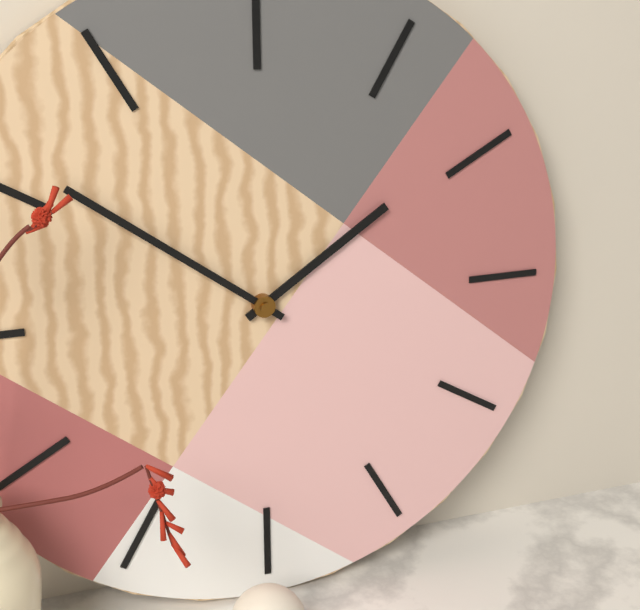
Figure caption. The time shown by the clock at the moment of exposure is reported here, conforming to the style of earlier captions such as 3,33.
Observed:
1,51
